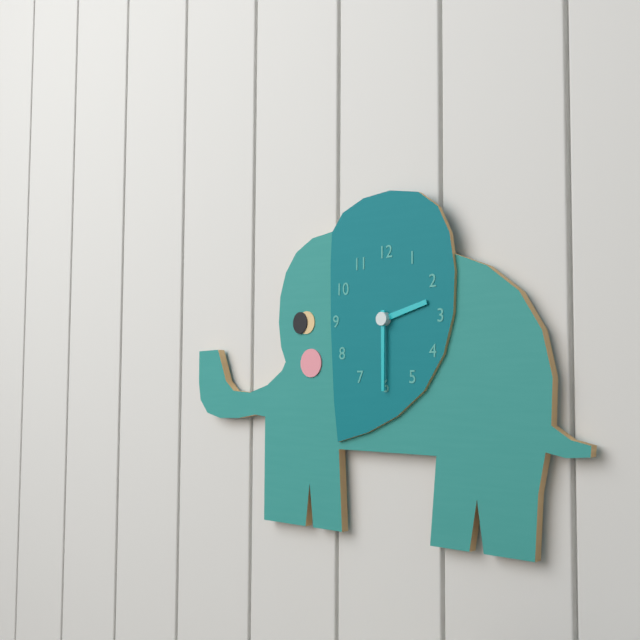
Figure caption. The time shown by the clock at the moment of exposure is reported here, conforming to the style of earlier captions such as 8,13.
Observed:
2,30
